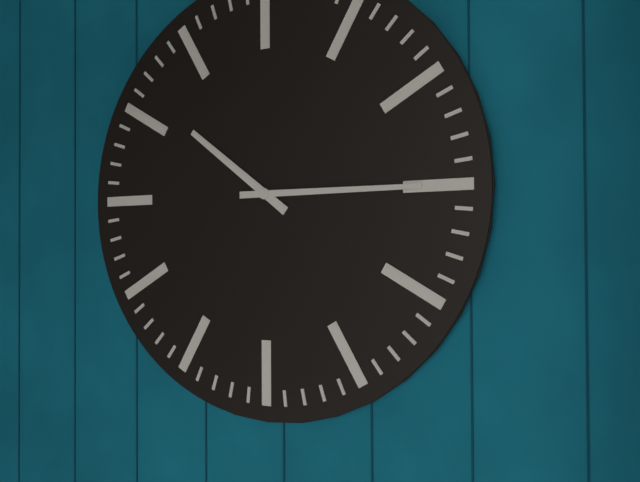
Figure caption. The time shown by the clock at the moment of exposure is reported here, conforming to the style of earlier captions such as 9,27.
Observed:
10,15
